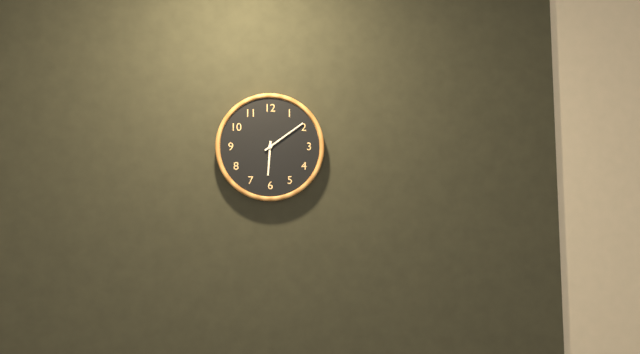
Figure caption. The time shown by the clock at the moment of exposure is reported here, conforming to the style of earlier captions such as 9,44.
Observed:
6,09
